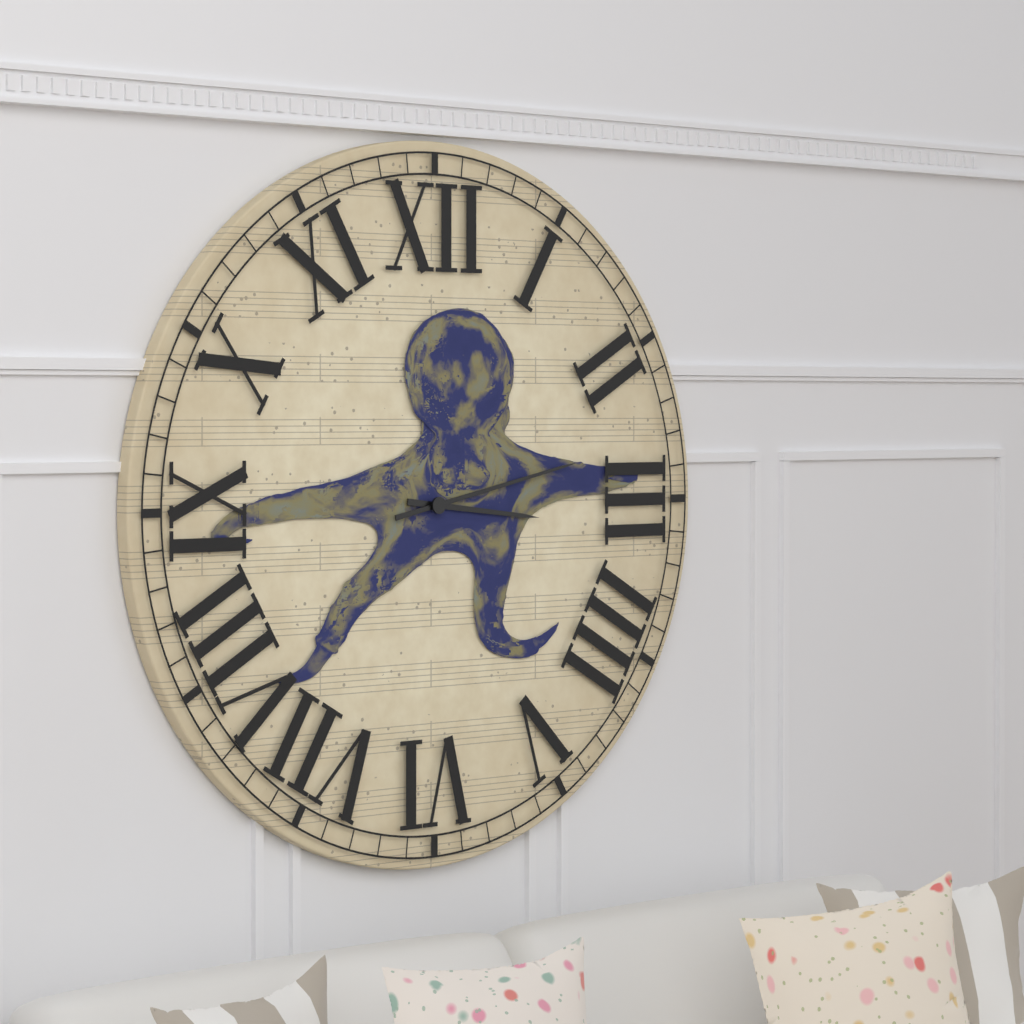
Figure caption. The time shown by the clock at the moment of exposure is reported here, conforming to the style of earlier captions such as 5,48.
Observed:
3,13
